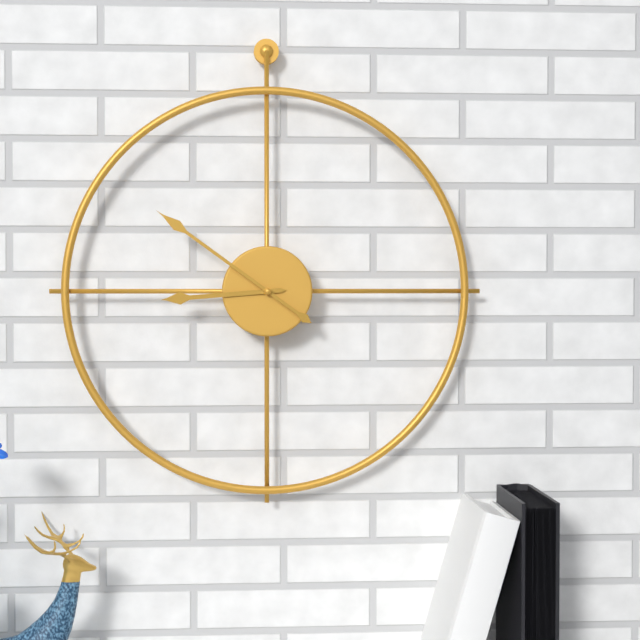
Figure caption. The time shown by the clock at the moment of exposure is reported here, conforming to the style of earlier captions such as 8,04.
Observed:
8,51
